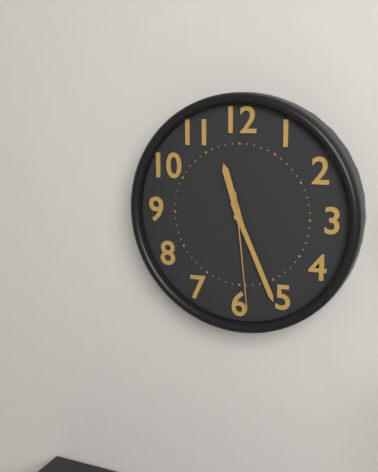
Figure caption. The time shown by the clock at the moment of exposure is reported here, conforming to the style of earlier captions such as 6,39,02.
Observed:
11,26,29
